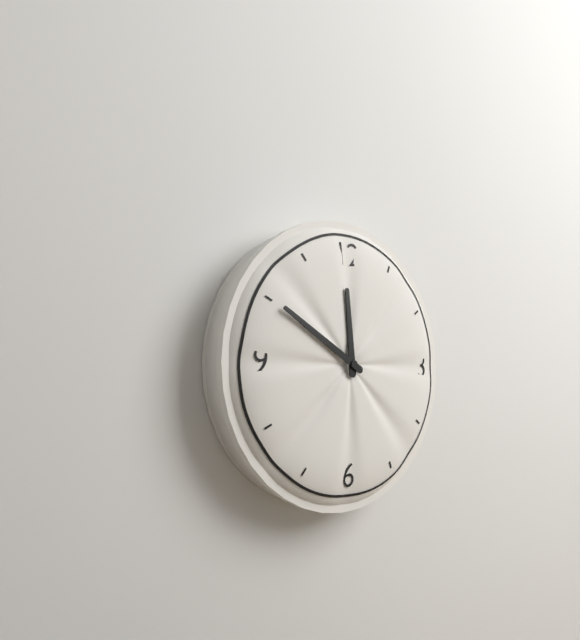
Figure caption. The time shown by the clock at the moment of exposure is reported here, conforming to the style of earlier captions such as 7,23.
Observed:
11,50
